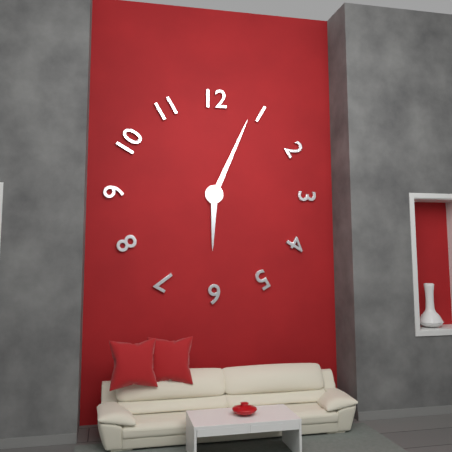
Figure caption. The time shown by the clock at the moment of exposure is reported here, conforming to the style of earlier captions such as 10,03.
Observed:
6,04
